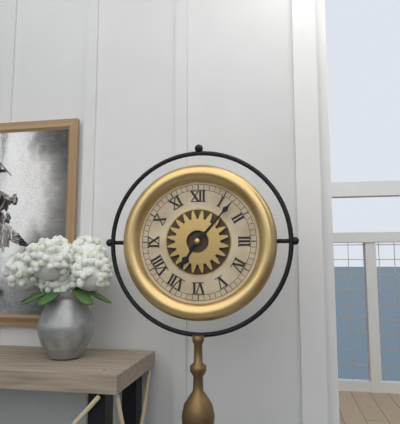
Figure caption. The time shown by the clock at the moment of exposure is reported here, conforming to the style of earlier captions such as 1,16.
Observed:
7,07
